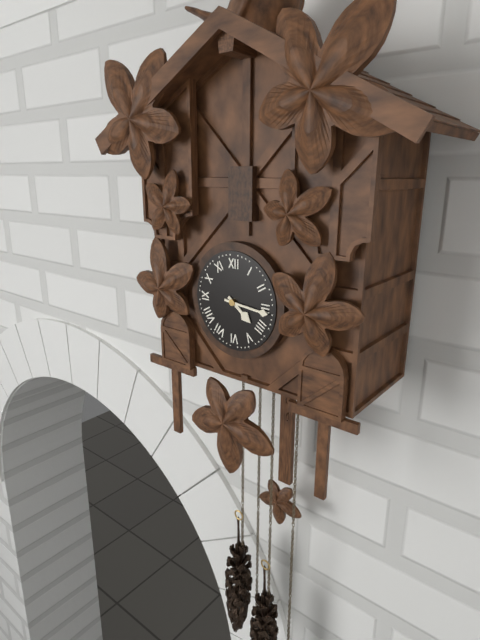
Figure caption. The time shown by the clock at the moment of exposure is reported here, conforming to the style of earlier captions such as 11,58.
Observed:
4,16
